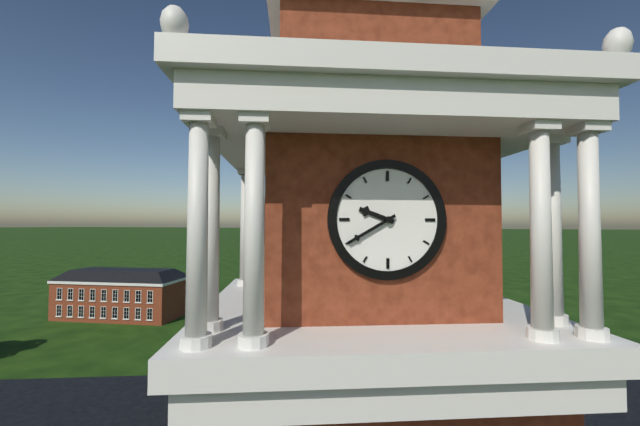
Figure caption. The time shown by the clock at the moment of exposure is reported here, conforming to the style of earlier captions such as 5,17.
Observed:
9,40
